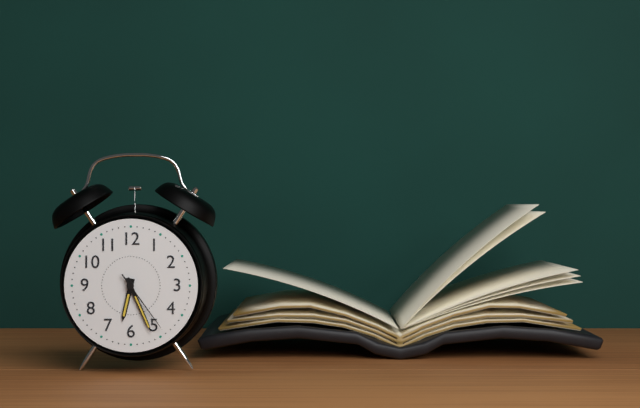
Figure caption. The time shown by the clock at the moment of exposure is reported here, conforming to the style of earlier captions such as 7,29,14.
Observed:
6,26,24
